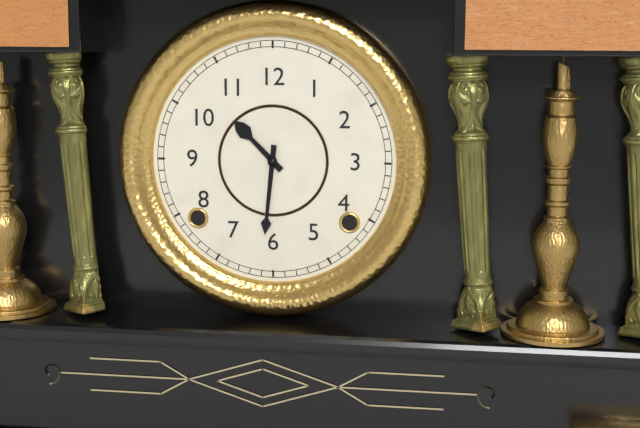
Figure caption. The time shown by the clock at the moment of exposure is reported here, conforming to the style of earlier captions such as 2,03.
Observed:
10,31
